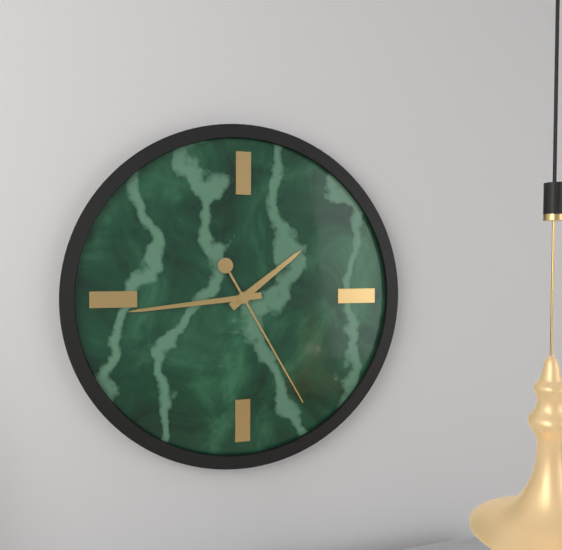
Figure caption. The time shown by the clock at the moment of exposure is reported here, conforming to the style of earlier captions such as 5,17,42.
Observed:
1,44,25
